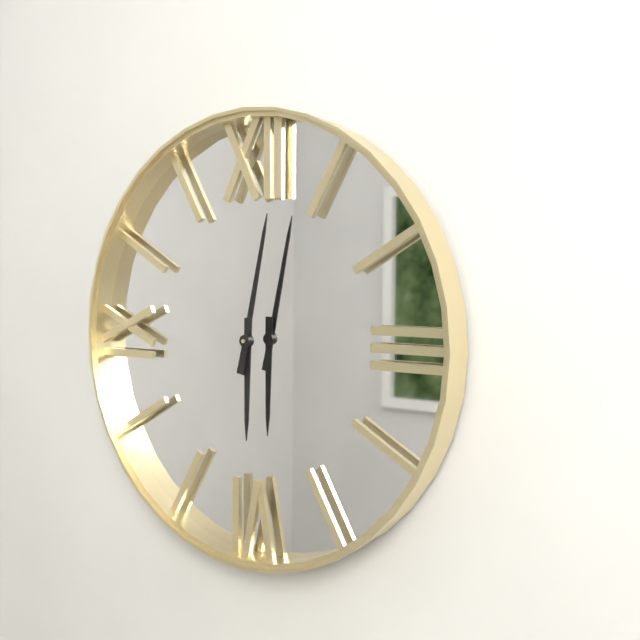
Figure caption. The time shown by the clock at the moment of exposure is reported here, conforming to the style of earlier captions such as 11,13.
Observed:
6,02
